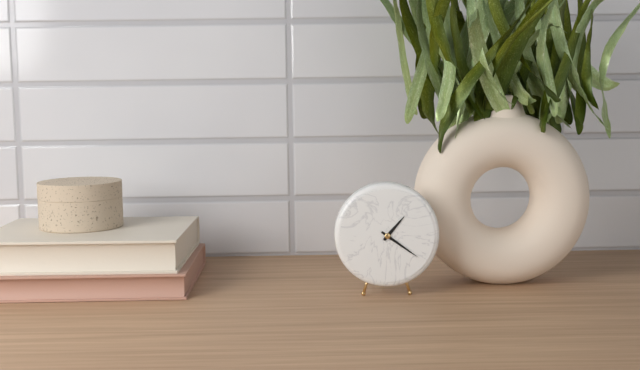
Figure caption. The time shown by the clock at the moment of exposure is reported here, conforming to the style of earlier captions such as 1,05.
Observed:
1,21
